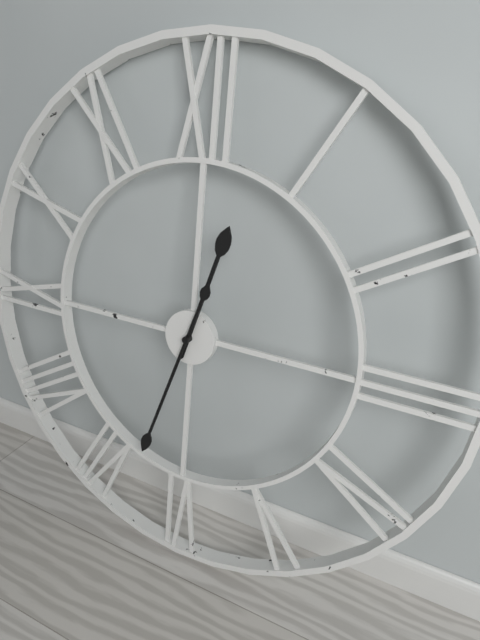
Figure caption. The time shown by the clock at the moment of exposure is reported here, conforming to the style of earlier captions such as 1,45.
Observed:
12,33
